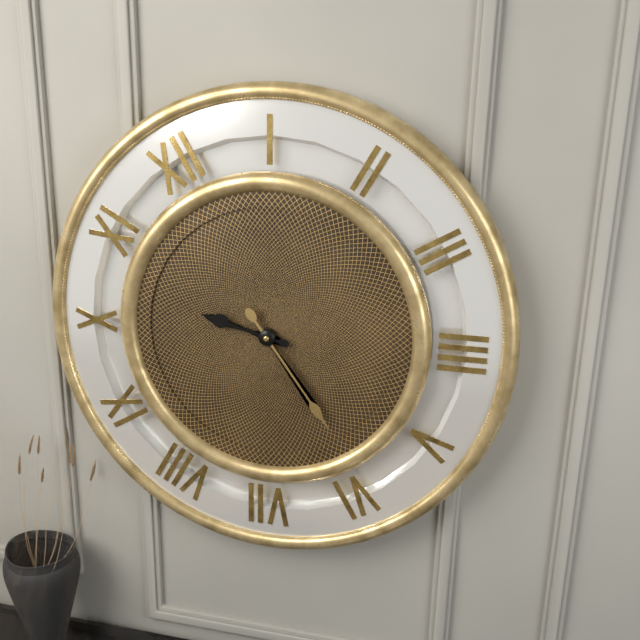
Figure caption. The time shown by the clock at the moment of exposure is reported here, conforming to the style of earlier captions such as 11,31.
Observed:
10,29
